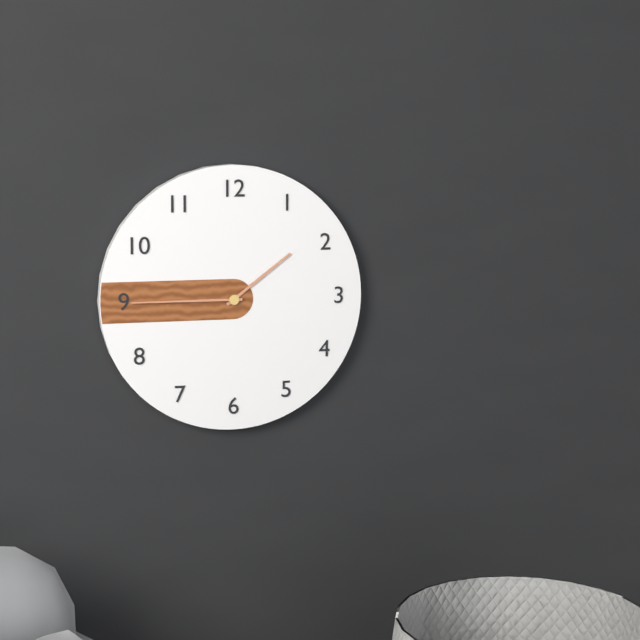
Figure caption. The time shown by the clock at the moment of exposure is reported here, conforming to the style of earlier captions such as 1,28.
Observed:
1,45
